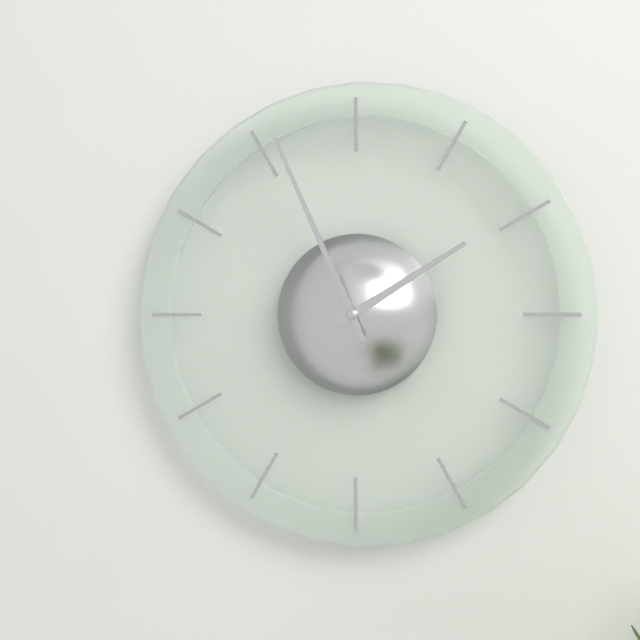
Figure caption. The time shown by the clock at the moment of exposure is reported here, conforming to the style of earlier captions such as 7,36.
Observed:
1,56
